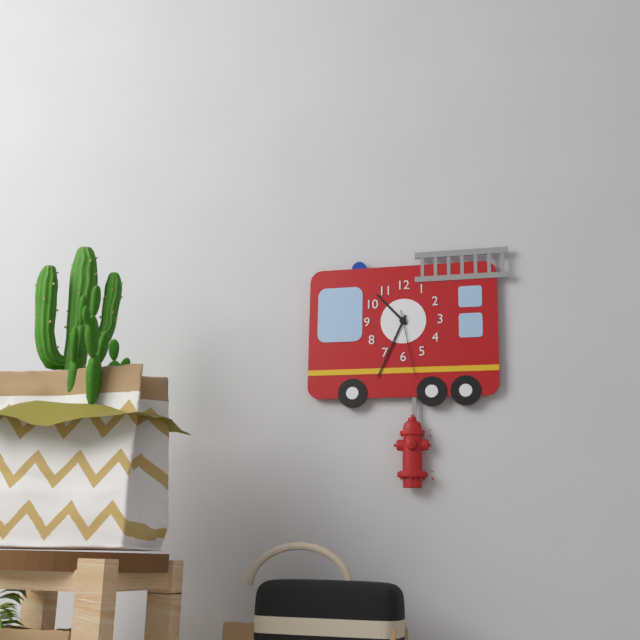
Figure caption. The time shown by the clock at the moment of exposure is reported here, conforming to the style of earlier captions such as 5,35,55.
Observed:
10,34,28
